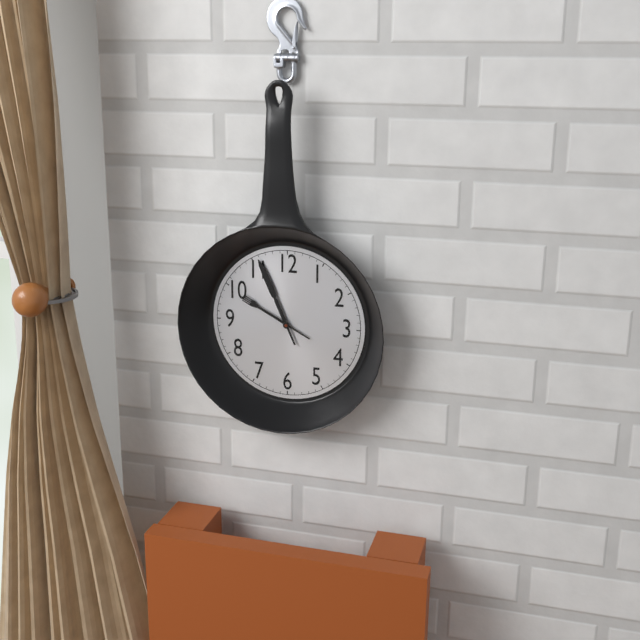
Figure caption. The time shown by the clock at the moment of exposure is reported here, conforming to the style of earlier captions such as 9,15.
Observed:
9,56
